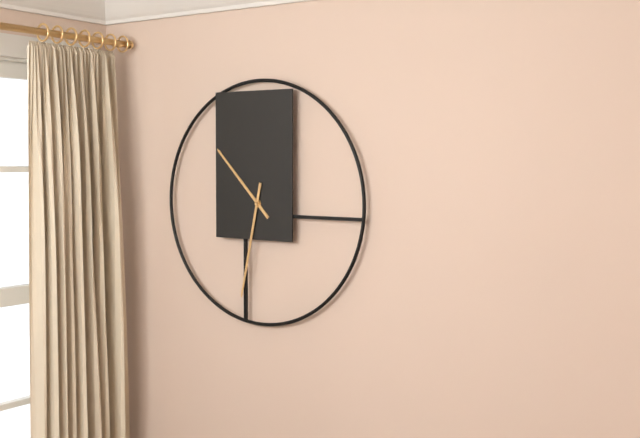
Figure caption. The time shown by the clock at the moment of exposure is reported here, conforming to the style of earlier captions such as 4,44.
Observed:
10,32
